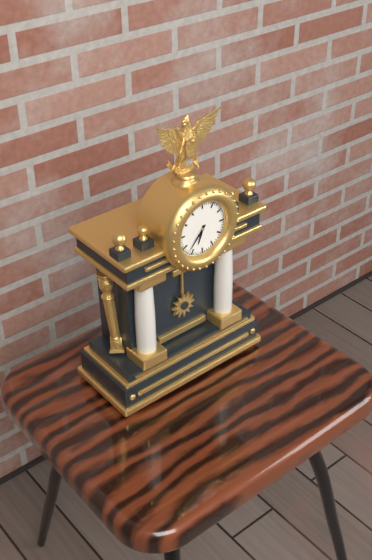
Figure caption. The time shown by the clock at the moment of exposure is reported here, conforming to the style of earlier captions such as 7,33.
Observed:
6,37
